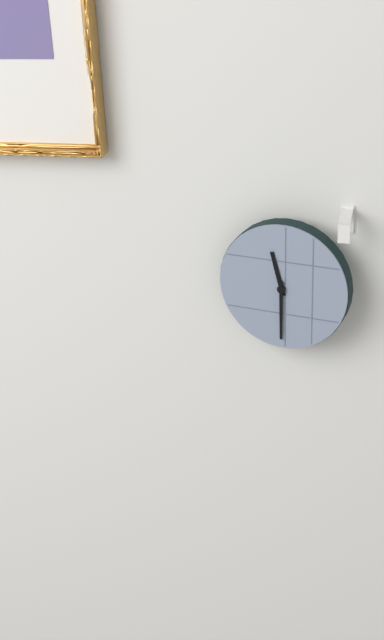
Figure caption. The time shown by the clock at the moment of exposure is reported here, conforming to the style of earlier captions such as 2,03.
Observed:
11,30
